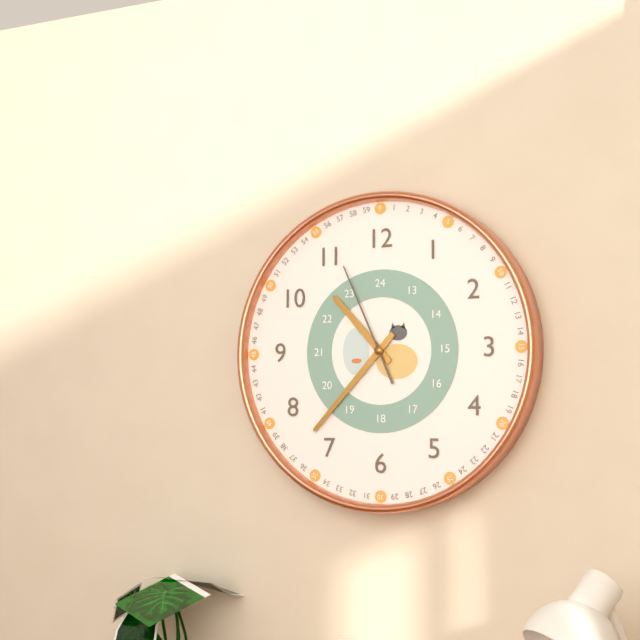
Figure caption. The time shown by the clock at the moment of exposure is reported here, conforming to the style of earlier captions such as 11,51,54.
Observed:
10,37,56
